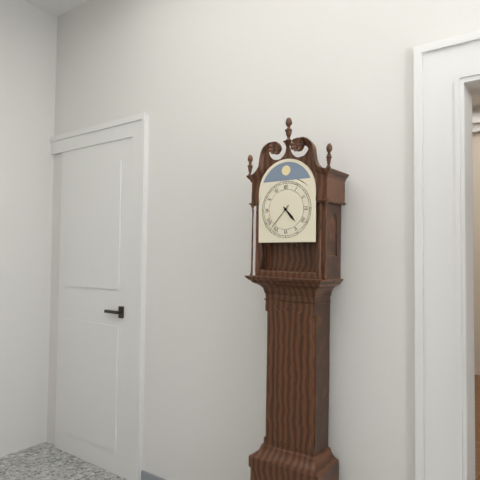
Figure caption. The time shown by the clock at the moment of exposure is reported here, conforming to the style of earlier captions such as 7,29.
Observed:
4,37
